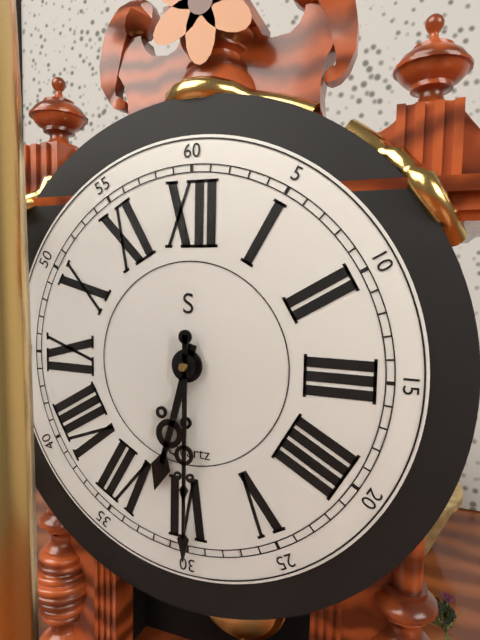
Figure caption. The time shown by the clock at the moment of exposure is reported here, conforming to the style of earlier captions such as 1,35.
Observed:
6,30
